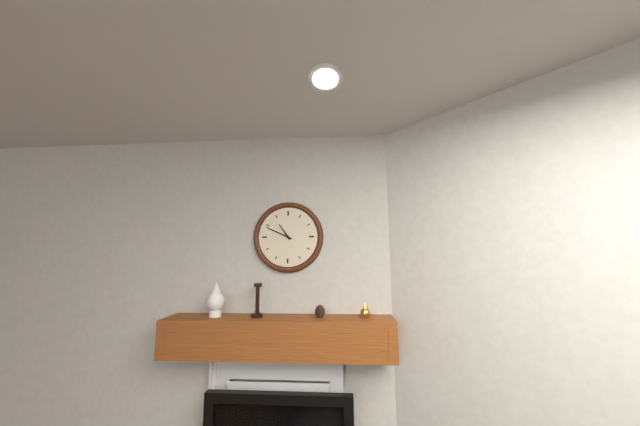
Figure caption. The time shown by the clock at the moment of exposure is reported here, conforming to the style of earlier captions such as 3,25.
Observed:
10,49
